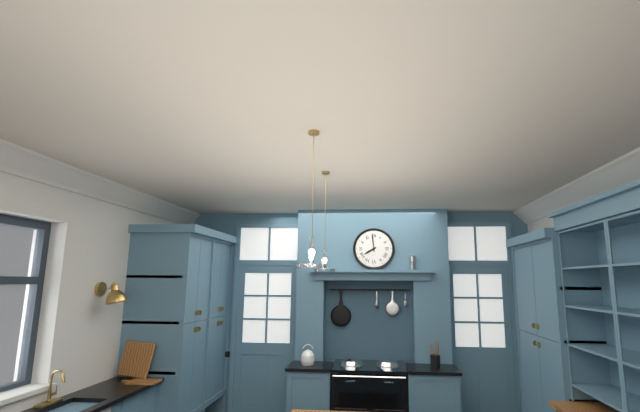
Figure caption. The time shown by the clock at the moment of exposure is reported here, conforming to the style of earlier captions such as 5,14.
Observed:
7,59
